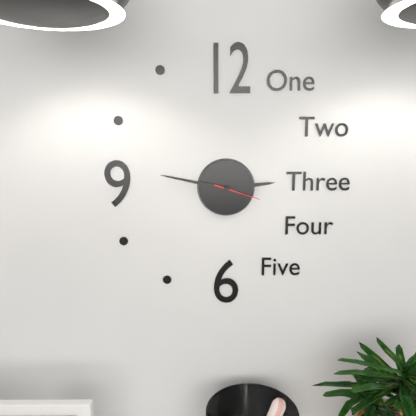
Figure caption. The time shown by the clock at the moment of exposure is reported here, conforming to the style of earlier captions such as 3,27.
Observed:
2,47
